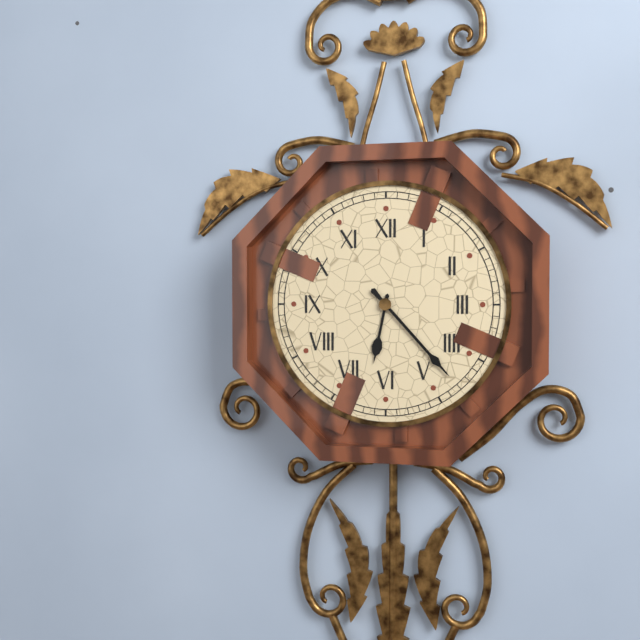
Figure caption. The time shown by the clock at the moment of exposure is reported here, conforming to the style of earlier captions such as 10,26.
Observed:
6,23
